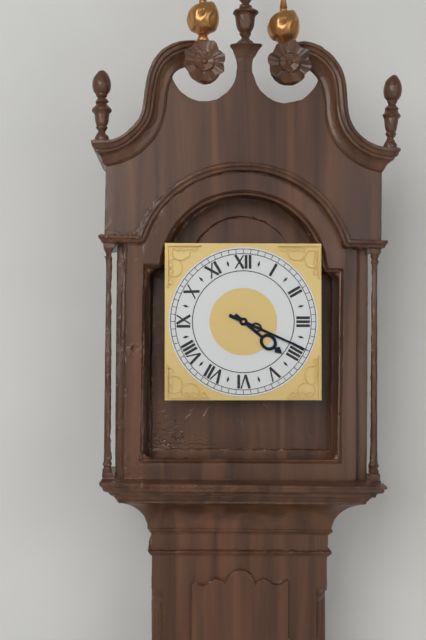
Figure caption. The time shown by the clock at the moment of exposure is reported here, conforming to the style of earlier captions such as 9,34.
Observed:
4,19
